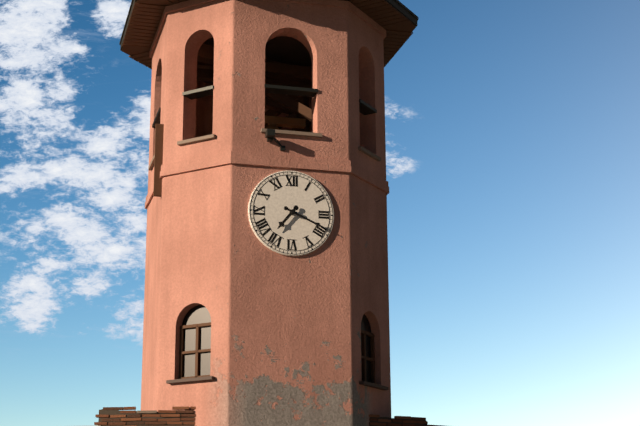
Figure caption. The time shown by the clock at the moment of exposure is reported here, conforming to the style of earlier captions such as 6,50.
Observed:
7,19
